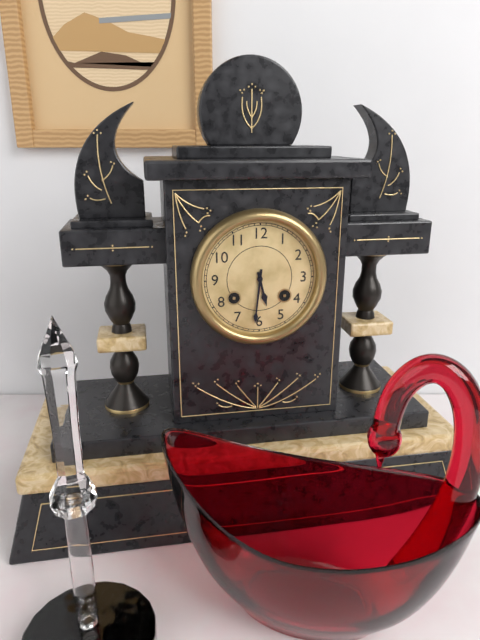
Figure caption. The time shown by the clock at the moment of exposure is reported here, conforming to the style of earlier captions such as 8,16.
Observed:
5,31
